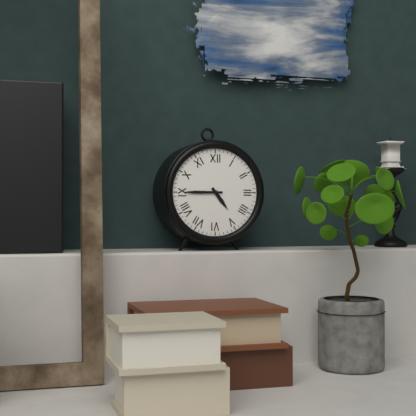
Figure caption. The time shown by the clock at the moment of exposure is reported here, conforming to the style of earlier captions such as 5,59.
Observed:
4,45
